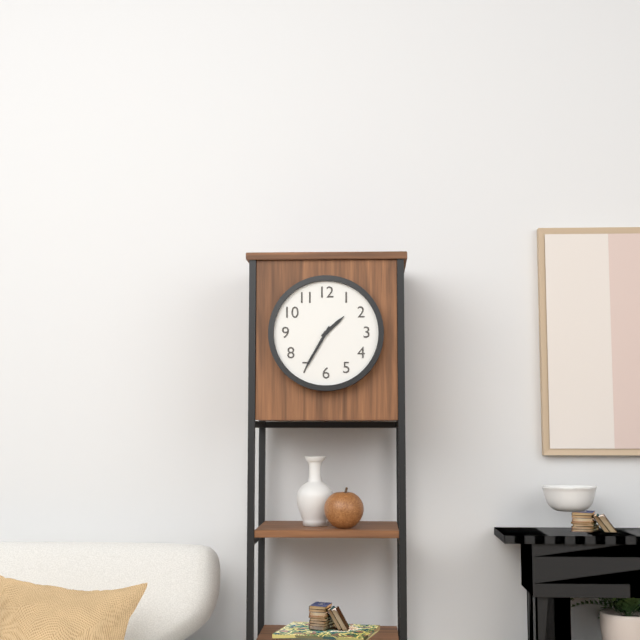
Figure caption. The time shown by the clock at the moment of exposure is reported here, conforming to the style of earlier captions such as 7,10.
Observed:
1,35
